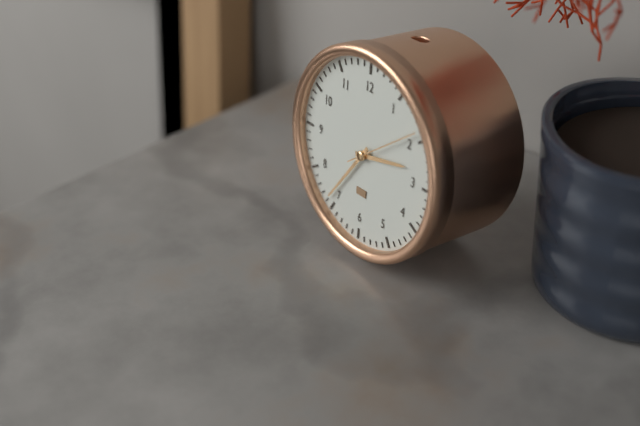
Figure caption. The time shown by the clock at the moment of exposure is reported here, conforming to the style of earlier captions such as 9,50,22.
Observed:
2,36,09
